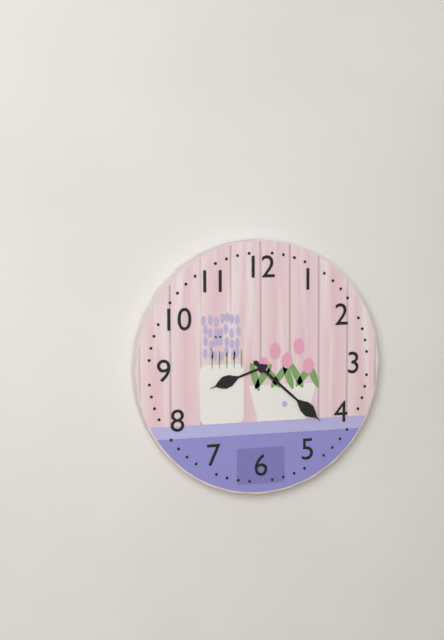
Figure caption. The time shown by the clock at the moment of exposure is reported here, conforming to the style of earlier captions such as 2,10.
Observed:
8,22
